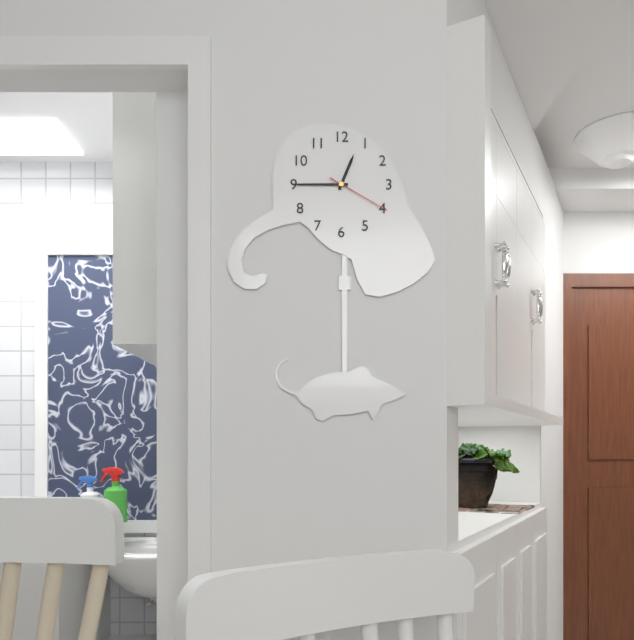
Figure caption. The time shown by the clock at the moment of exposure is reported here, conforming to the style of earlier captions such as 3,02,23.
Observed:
12,45,20
